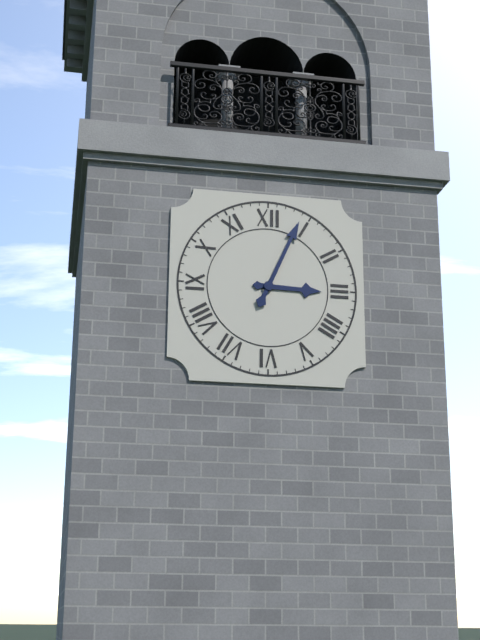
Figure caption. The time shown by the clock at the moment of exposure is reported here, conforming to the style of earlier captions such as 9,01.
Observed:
3,04
